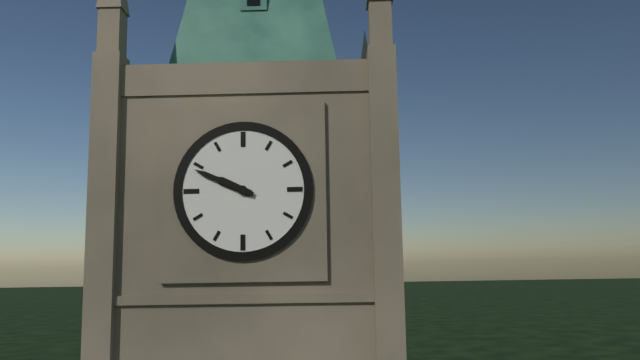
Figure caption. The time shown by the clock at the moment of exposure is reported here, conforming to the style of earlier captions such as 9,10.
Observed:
9,49
